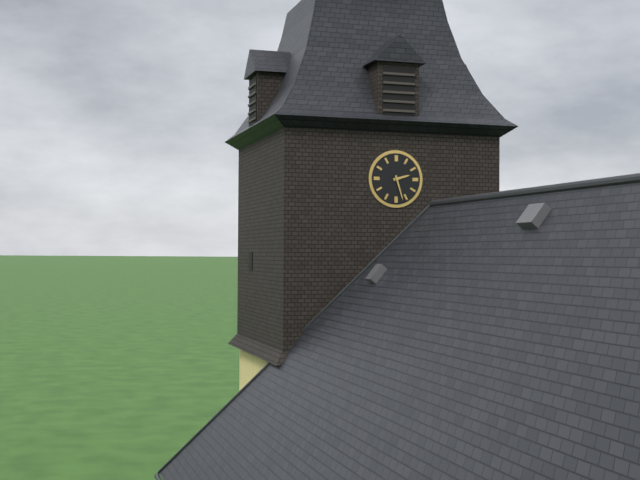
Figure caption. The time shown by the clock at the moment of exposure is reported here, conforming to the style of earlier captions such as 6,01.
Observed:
2,27
